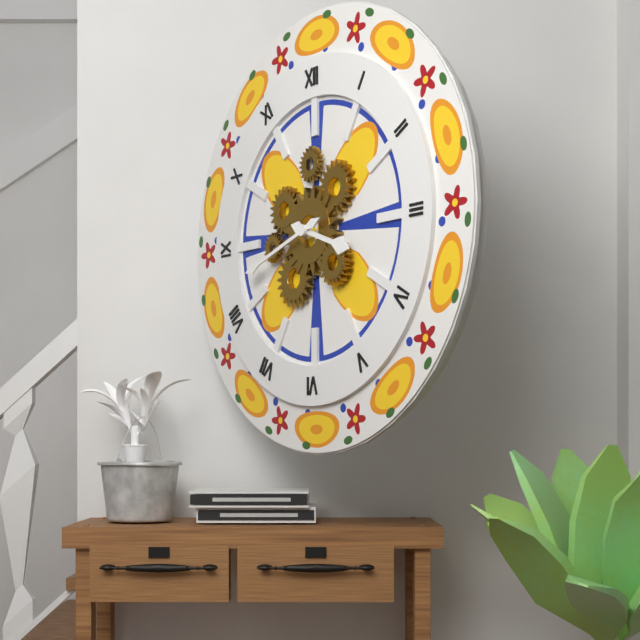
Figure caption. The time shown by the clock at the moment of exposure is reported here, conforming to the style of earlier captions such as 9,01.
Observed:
3,42
